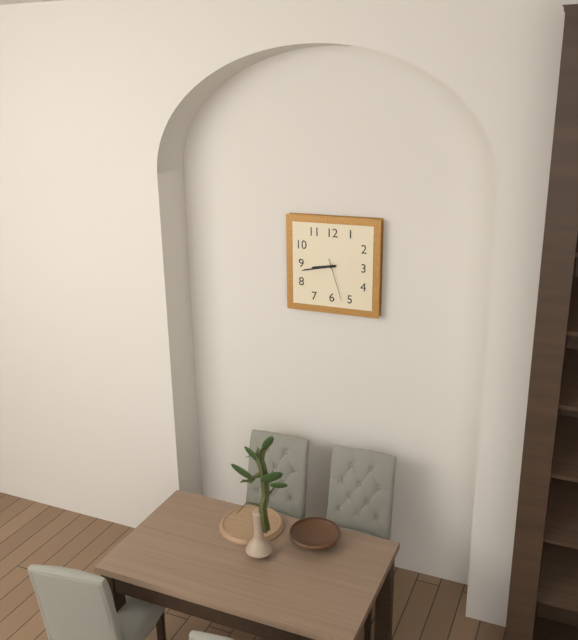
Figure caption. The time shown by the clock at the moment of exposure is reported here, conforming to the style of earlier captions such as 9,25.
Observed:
8,43
